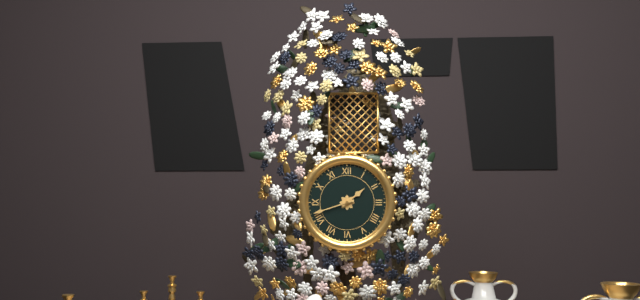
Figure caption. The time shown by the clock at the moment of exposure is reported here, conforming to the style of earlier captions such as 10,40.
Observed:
1,42
